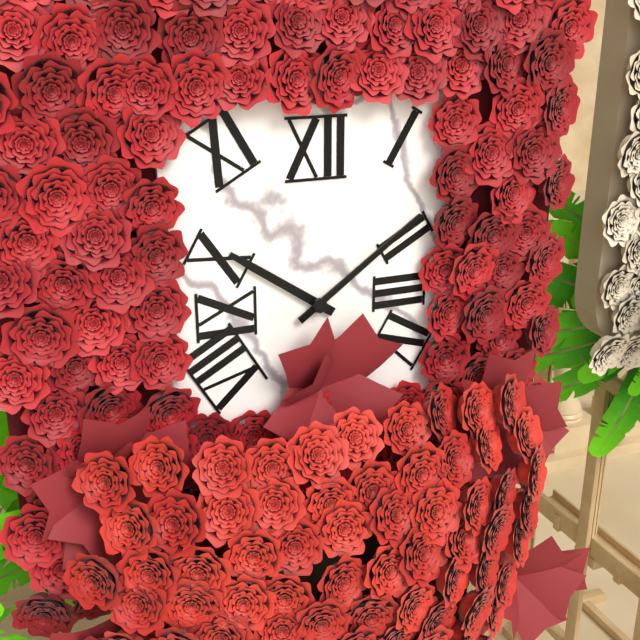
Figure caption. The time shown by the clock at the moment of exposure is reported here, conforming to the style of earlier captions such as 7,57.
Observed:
10,09
